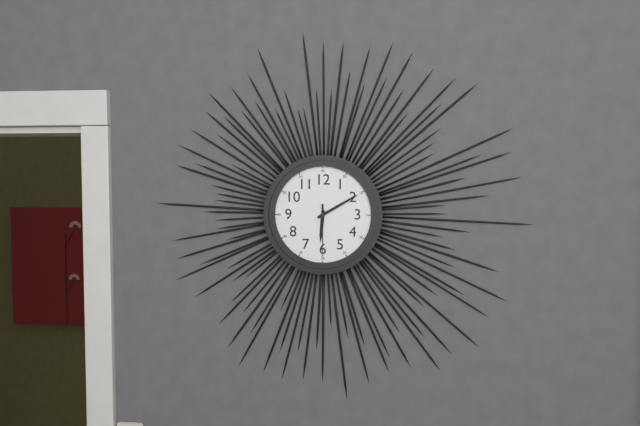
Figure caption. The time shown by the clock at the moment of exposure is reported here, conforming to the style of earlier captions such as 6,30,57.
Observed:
6,10,30
